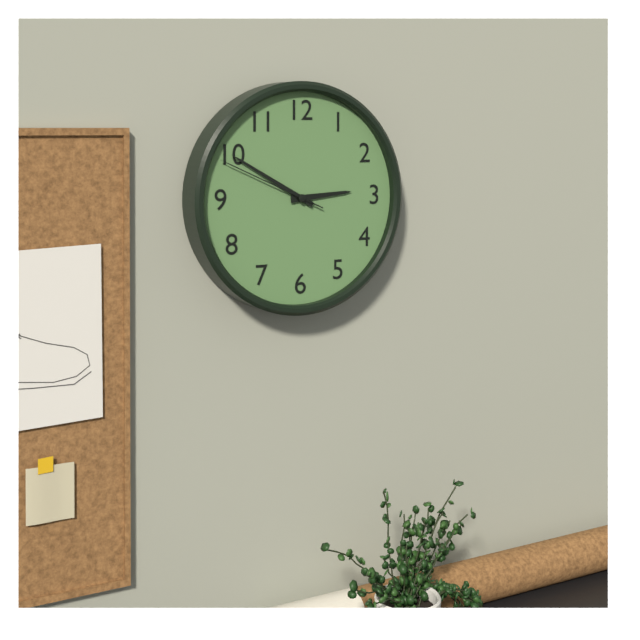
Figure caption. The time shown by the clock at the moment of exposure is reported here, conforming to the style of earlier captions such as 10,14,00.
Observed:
2,50,49
